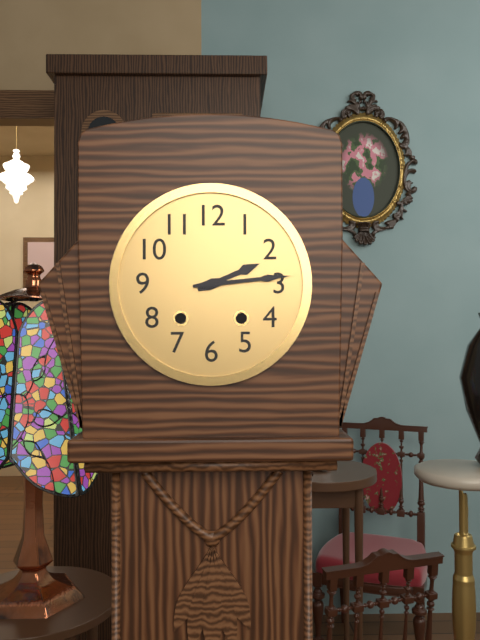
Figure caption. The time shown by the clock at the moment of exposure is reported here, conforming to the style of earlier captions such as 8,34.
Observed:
2,14
